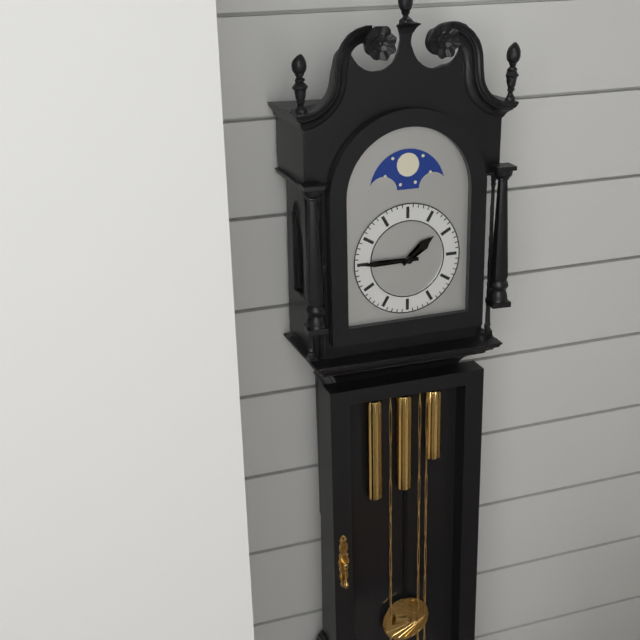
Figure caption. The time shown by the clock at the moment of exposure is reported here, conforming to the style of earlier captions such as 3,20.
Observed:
1,45
